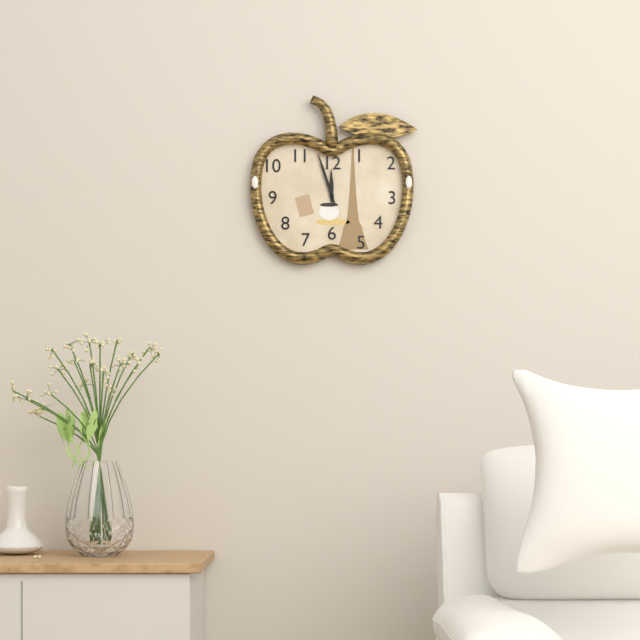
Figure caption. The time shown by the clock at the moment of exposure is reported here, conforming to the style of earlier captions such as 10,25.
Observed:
11,57
